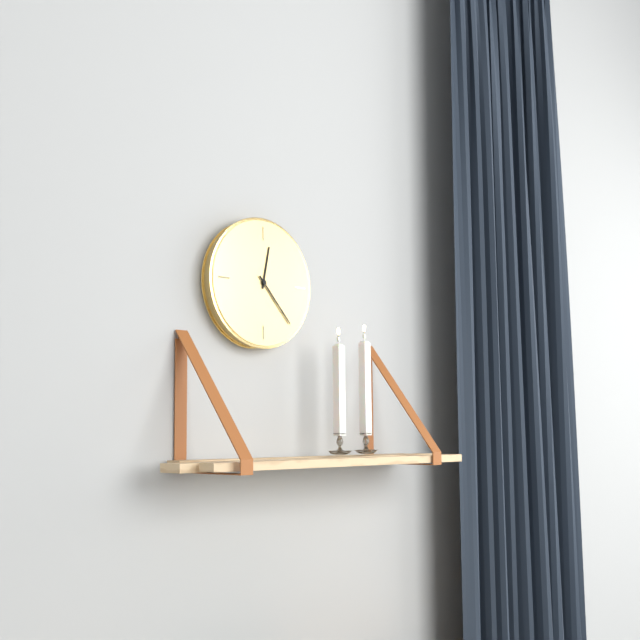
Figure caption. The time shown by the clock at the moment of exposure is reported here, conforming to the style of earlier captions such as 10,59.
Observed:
12,23
